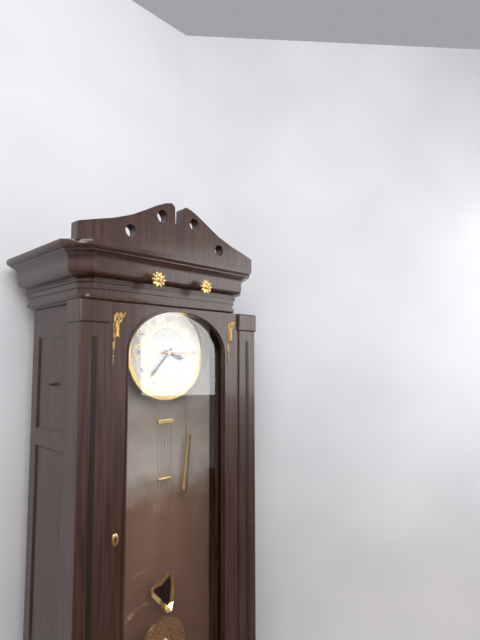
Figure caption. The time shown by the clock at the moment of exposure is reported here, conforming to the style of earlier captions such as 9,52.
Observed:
3,37
